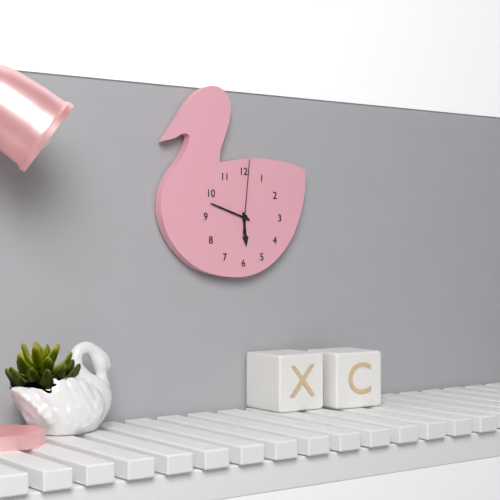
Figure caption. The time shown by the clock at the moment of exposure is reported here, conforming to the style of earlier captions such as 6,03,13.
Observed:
5,48,01
